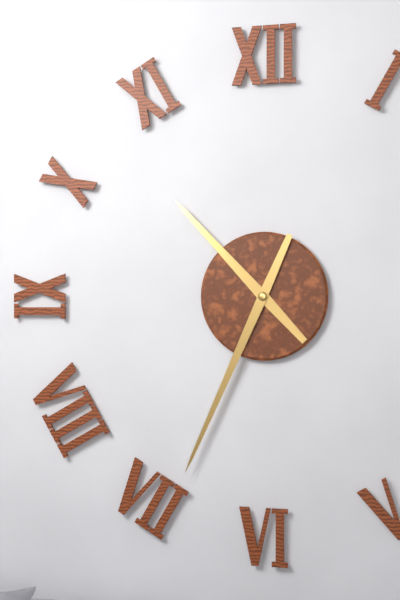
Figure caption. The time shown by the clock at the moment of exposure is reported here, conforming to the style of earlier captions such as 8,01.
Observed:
10,34
